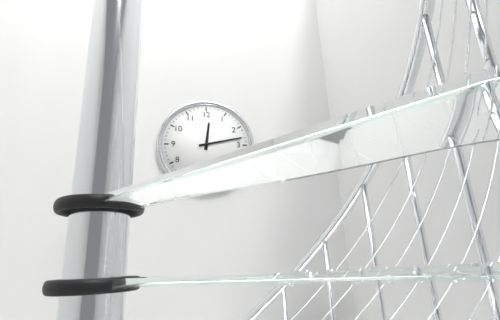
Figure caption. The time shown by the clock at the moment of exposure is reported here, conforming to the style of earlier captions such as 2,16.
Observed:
12,13
